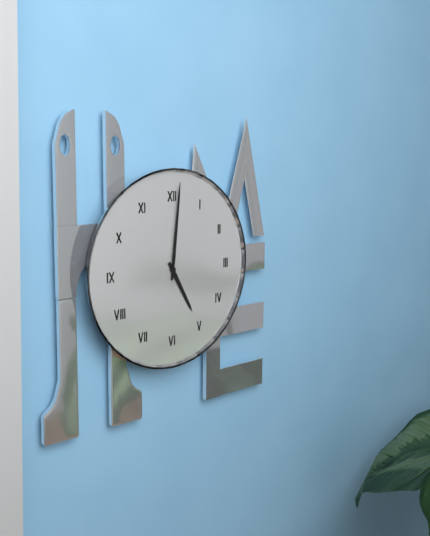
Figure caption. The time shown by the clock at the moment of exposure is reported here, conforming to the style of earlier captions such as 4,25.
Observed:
5,01
